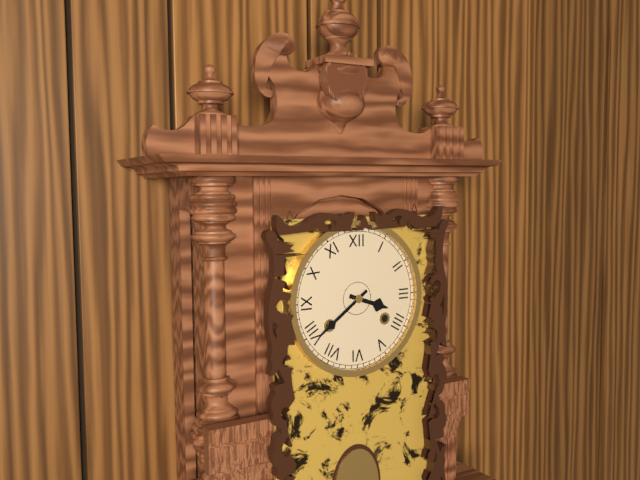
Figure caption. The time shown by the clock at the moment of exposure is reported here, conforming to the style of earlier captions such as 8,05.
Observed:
3,39
